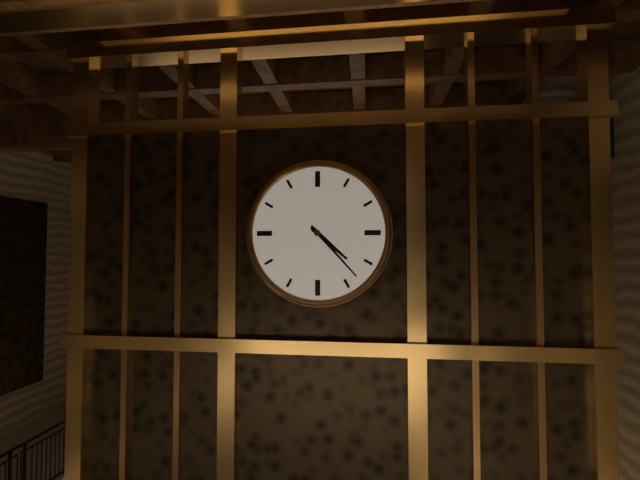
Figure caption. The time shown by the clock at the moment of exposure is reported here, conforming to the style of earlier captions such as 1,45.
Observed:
4,23
